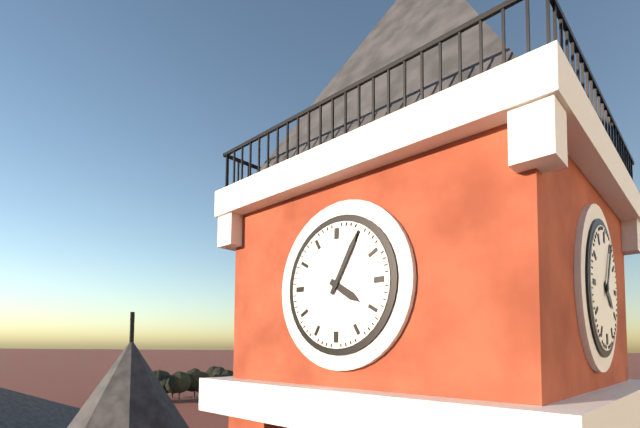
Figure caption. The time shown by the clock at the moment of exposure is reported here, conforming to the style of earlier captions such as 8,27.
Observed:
4,05
